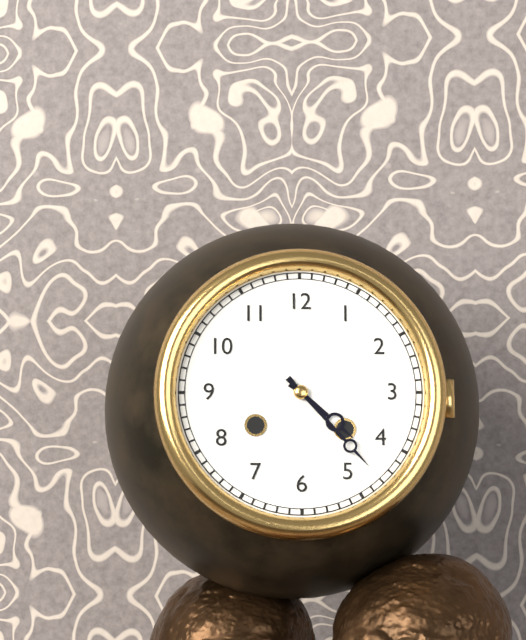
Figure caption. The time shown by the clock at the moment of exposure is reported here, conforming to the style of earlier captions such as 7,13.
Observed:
4,23
